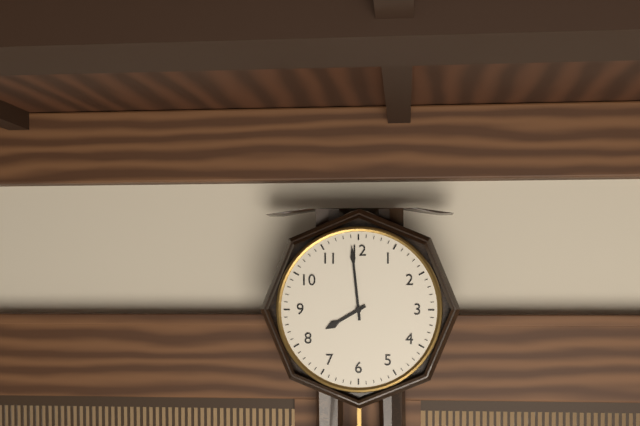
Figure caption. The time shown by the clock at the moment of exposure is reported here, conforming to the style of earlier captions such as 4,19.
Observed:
7,59
